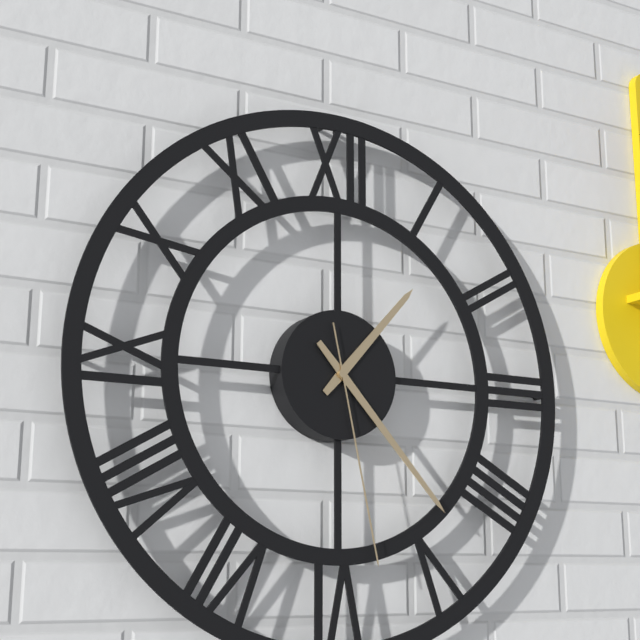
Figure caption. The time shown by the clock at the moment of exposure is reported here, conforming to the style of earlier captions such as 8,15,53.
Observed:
1,23,28
